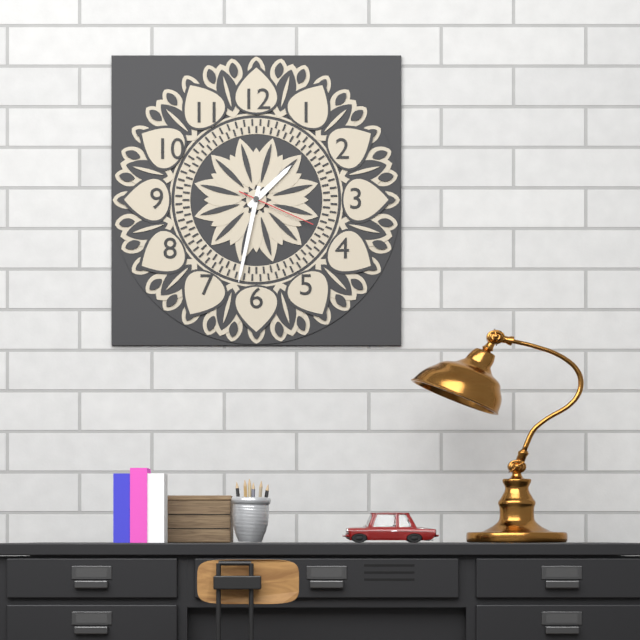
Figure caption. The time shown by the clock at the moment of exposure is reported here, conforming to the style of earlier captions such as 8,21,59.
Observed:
1,32,19
